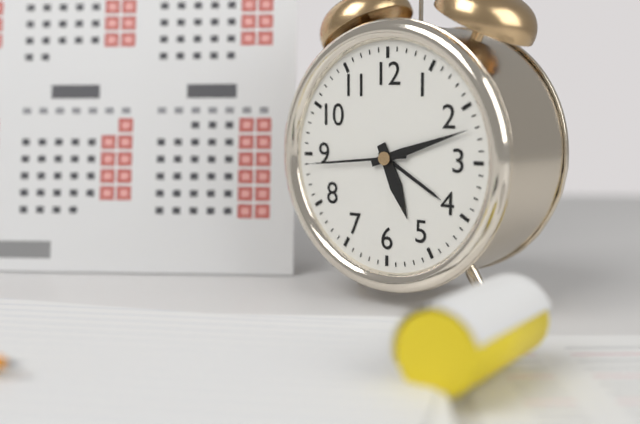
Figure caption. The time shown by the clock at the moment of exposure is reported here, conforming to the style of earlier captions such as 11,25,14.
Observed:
5,12,44
